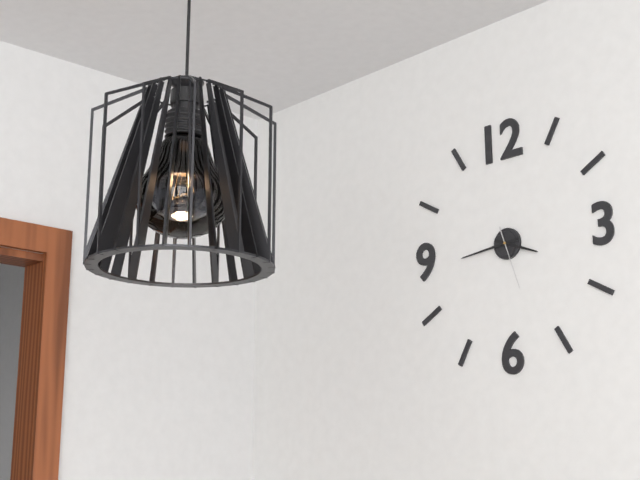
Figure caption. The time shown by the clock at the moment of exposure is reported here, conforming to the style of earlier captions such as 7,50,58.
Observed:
3,44,27
